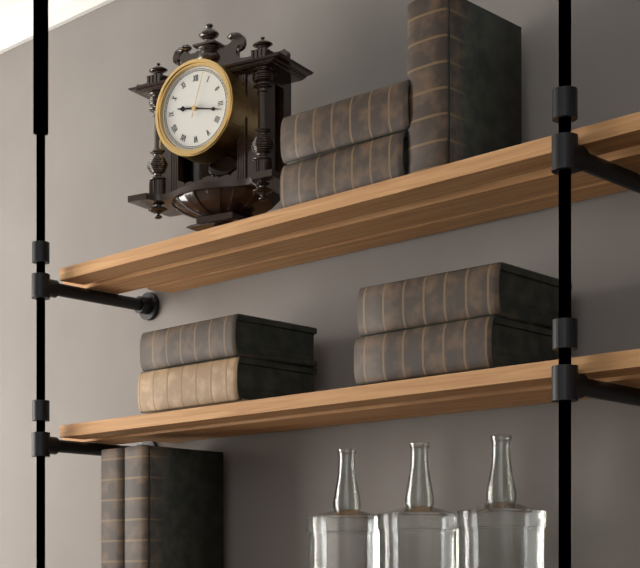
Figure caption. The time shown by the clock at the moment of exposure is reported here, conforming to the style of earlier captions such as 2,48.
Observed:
9,17
